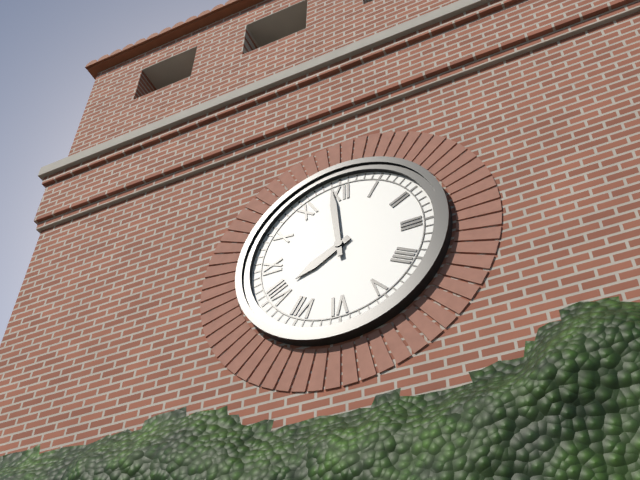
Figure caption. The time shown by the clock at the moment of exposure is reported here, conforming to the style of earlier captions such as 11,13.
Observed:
7,59
